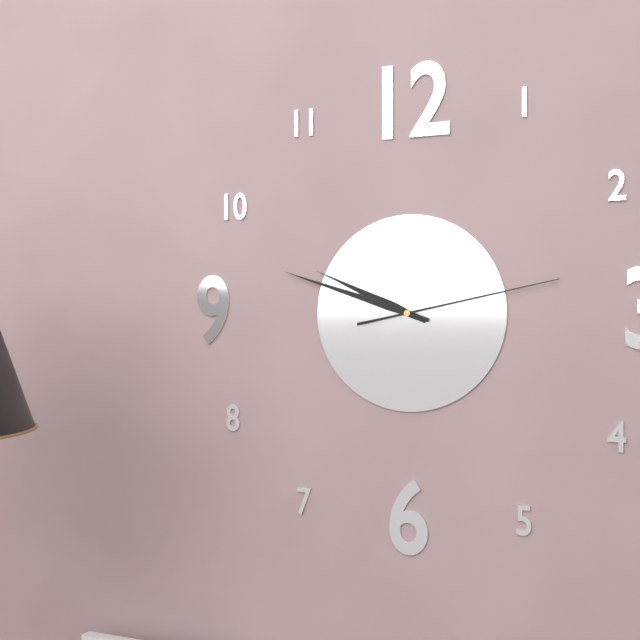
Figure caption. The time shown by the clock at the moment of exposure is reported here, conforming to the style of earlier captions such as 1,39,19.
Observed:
9,48,13
